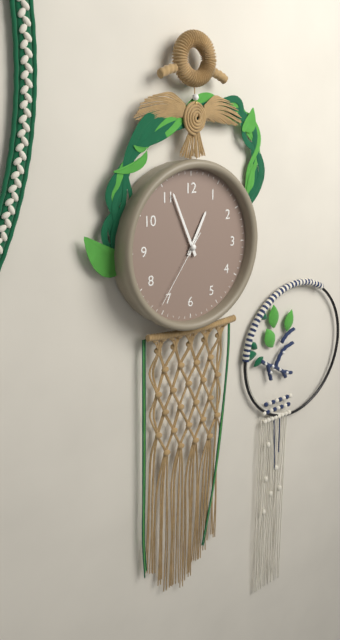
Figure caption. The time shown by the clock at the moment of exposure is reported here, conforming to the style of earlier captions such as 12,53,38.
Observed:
12,56,36
